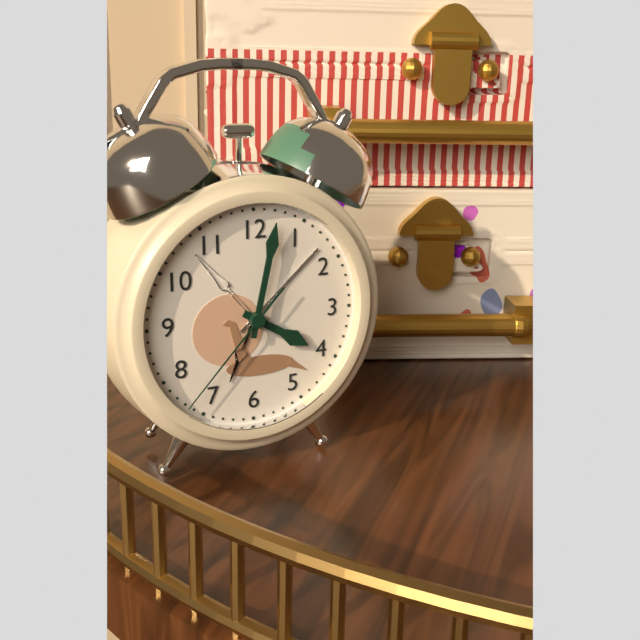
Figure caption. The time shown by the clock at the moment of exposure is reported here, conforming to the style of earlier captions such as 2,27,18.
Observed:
4,02,37
